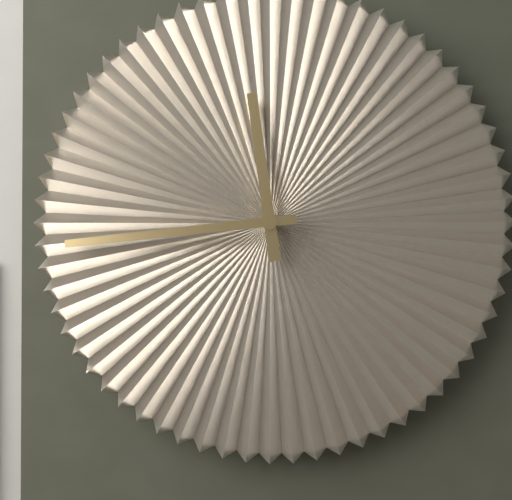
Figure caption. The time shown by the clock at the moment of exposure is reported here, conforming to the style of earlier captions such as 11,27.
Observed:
11,44
